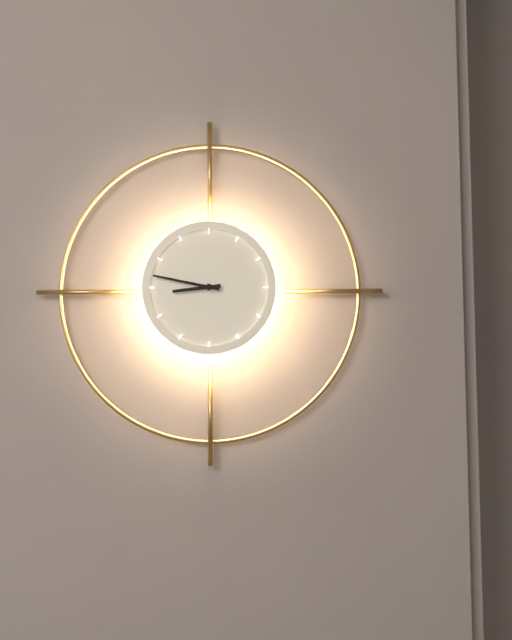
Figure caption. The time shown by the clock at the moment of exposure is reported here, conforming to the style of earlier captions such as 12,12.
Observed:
8,47
